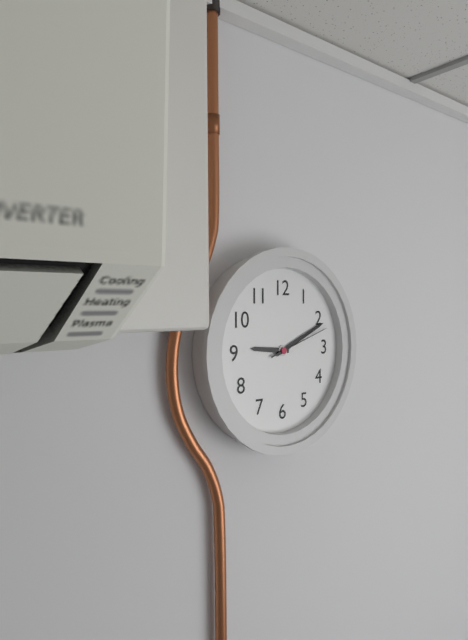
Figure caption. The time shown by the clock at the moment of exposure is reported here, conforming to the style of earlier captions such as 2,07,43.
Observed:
9,11,12
